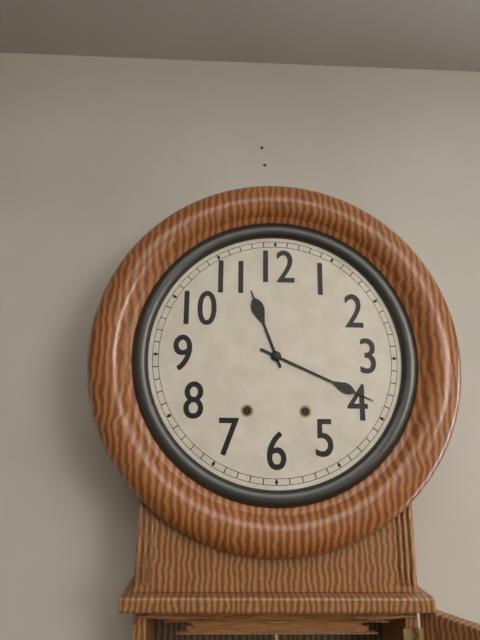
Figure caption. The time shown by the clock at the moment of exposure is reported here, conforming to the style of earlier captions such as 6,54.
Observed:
11,19
